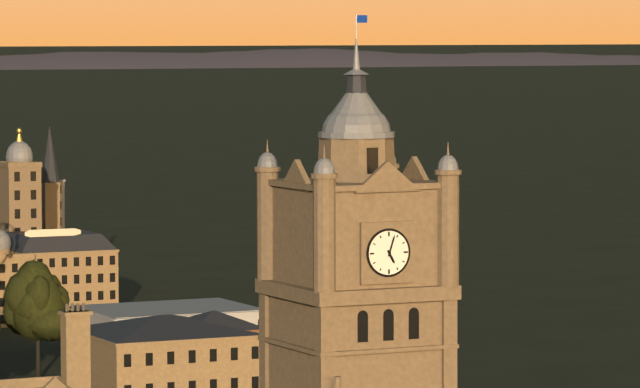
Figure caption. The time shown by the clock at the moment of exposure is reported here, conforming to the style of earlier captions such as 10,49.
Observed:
5,03
